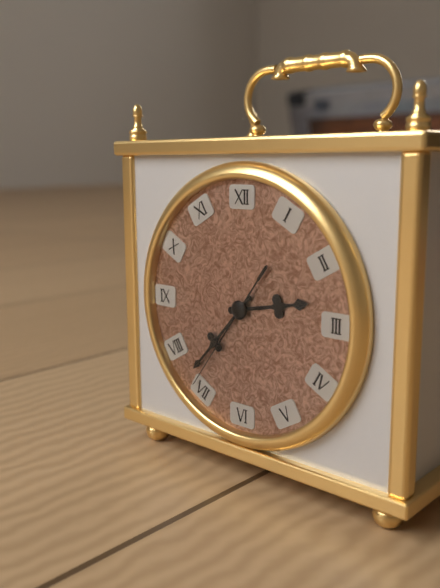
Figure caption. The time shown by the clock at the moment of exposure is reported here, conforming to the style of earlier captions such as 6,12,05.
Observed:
2,37,36
